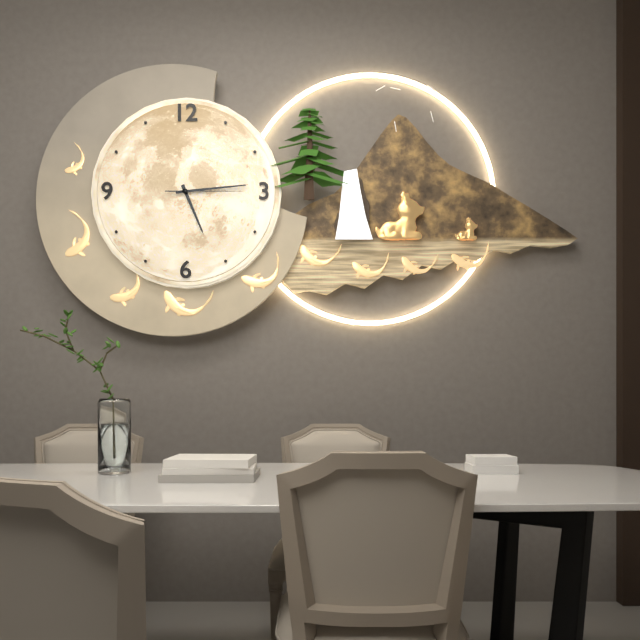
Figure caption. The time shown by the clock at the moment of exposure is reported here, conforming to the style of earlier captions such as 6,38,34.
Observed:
5,14,15
